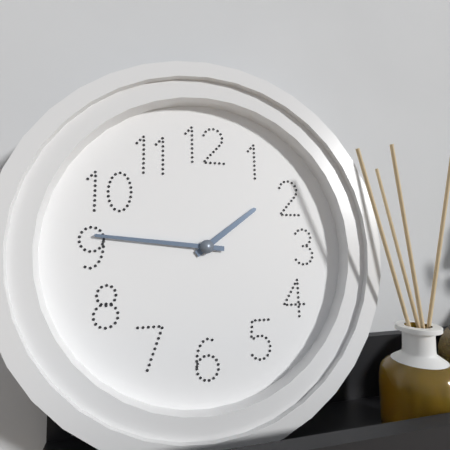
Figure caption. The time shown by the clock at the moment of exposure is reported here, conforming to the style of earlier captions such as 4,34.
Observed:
1,46
